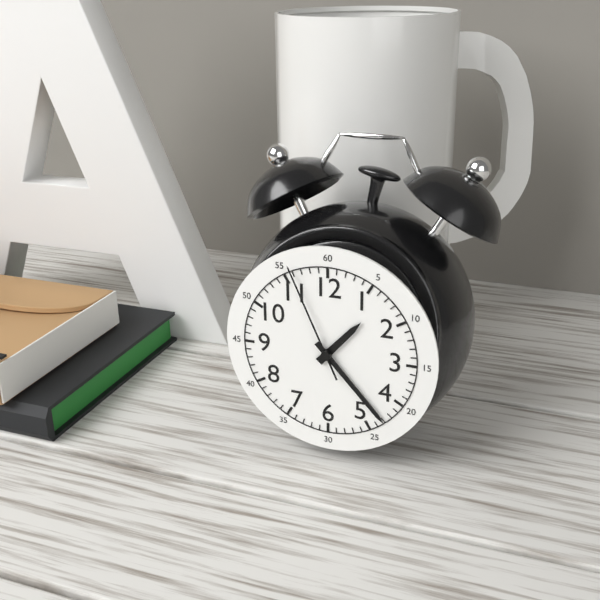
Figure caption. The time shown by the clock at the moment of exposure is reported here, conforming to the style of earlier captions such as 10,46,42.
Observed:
1,23,56
